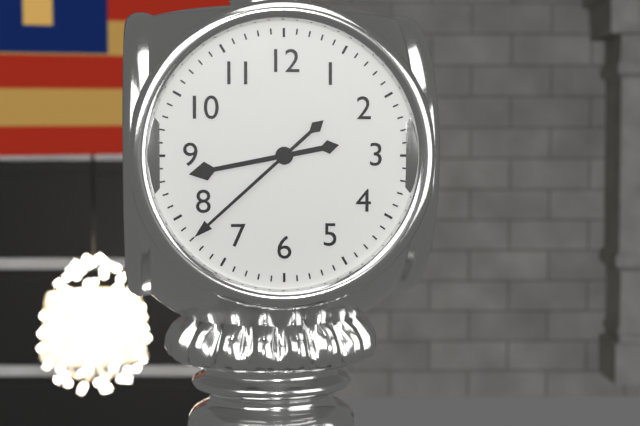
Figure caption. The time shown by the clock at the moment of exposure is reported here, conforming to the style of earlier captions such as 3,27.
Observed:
8,38
